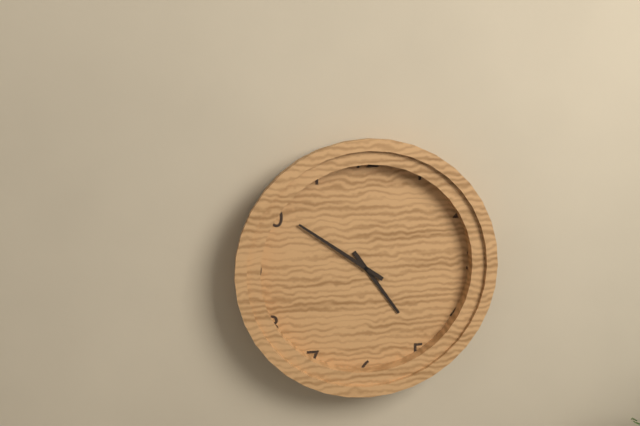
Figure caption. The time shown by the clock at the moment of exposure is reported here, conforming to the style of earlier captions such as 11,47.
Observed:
4,51
